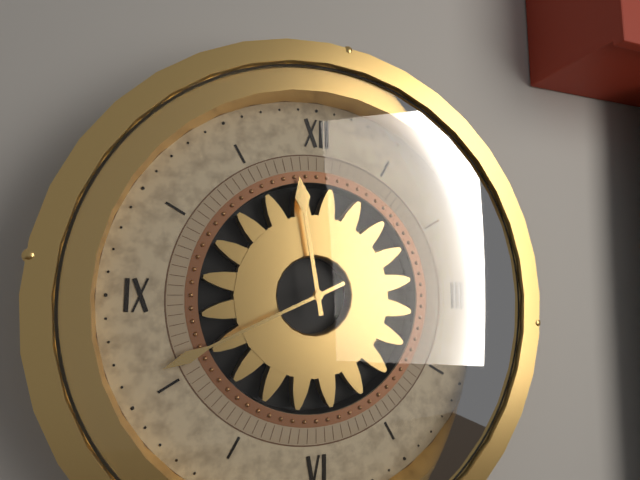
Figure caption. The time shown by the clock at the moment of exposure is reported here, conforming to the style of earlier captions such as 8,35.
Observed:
11,41
